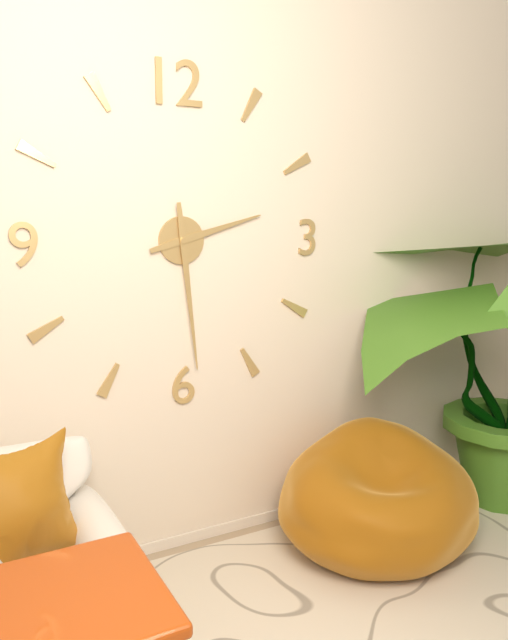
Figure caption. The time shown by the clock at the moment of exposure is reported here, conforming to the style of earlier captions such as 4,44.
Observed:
2,29
